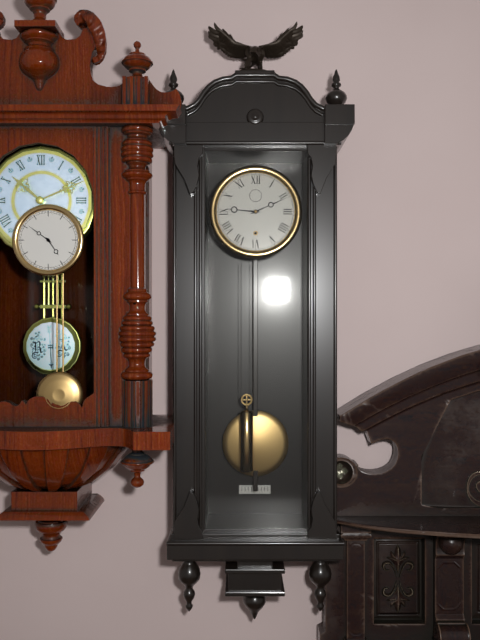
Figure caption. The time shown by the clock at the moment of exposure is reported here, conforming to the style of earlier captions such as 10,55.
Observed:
9,11
